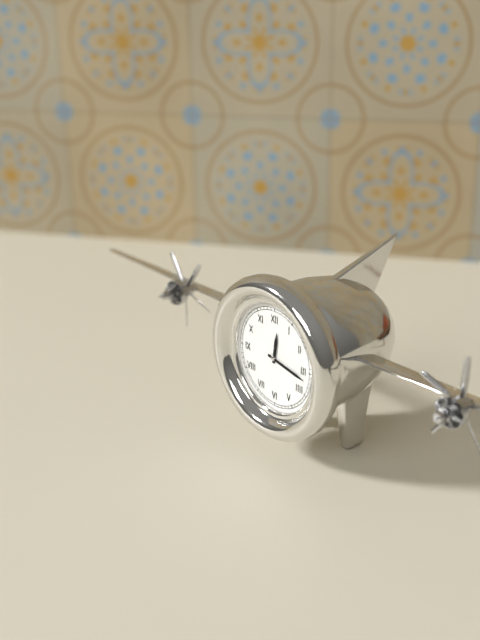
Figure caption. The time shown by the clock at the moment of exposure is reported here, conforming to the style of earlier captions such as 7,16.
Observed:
12,17
